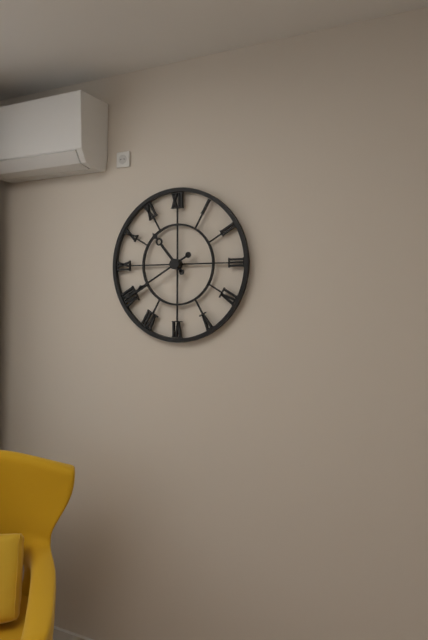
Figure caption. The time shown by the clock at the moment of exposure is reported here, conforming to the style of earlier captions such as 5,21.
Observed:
10,40
